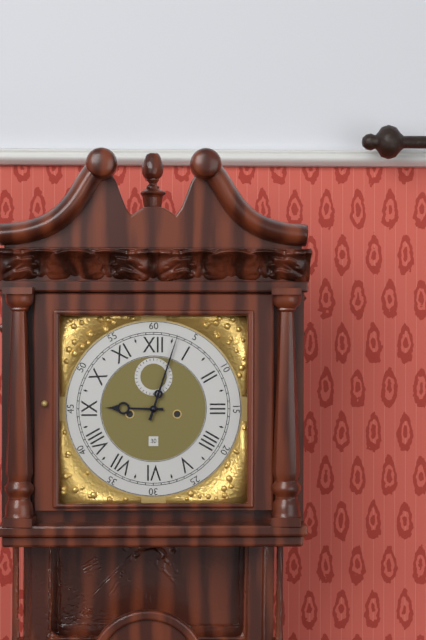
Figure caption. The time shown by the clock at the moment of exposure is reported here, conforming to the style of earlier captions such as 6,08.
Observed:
9,03
